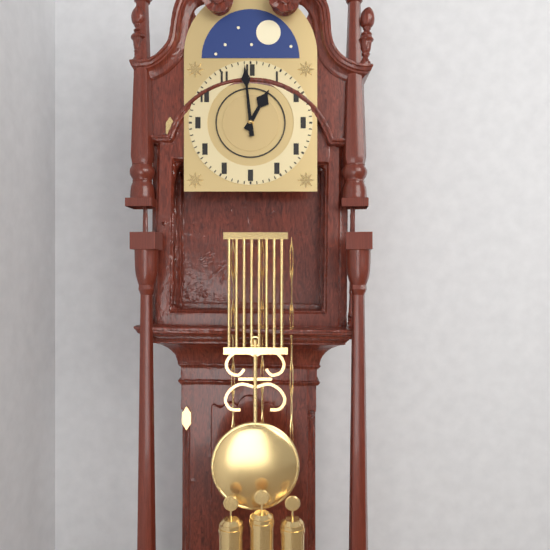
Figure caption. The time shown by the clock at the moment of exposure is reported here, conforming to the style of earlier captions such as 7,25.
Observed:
12,59
